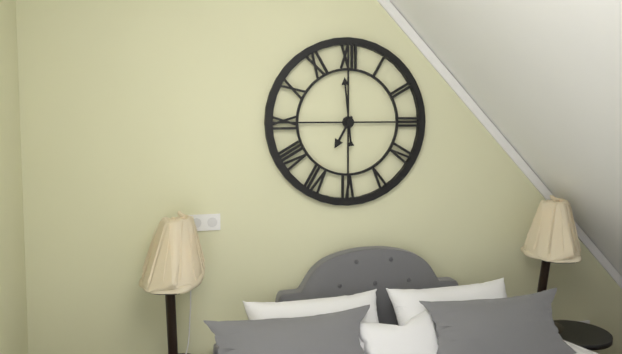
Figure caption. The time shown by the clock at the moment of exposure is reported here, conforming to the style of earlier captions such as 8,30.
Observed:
6,59
